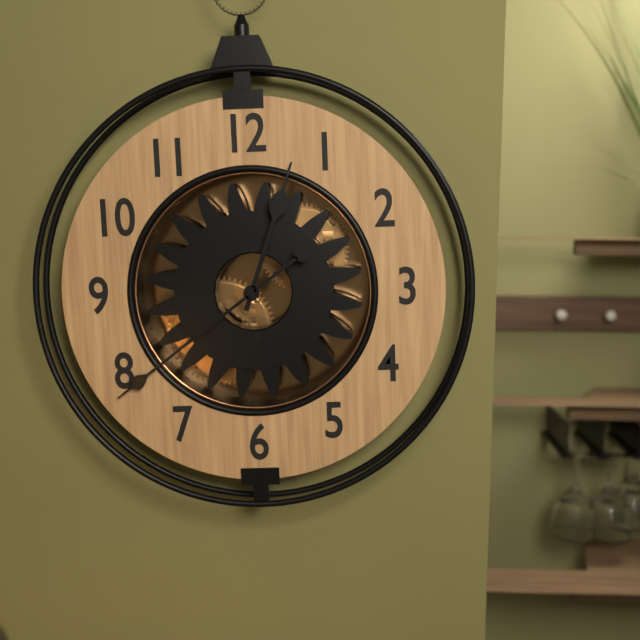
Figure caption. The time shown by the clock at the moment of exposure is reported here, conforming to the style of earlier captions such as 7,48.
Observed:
12,39
